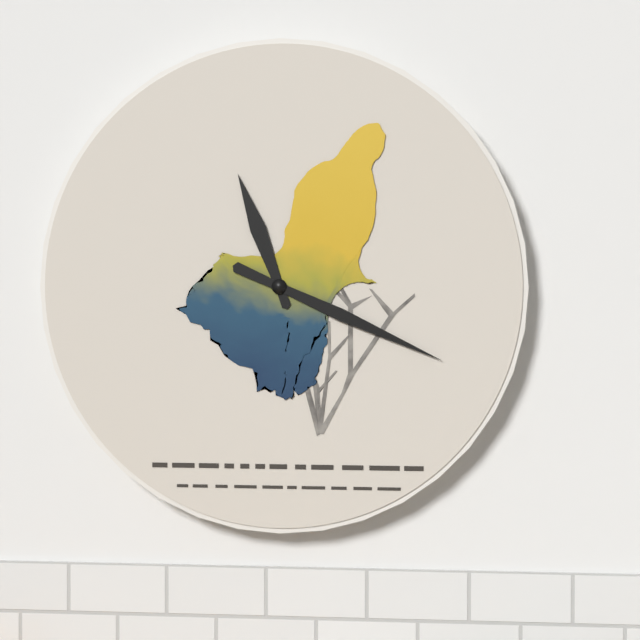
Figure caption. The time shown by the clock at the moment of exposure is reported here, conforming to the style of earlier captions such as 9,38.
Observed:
11,19
